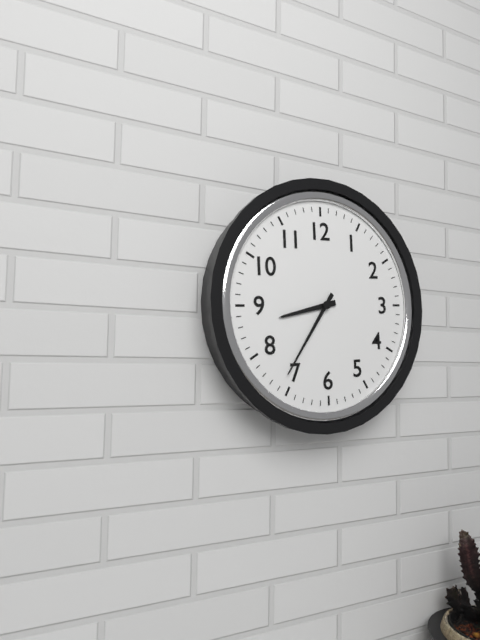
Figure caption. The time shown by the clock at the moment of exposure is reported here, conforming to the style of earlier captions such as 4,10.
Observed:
8,36
